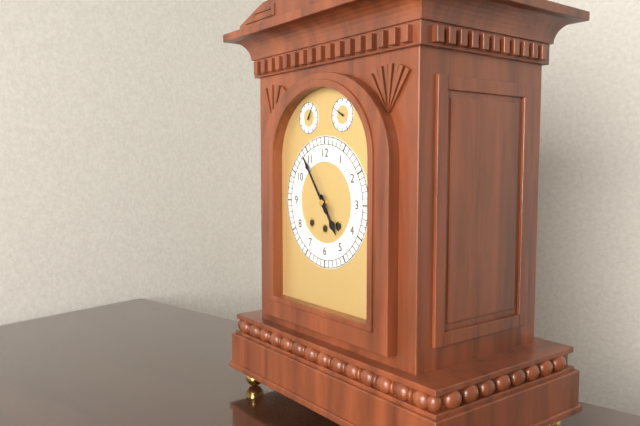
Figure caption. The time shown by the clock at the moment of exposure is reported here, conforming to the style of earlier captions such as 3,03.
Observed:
4,54
